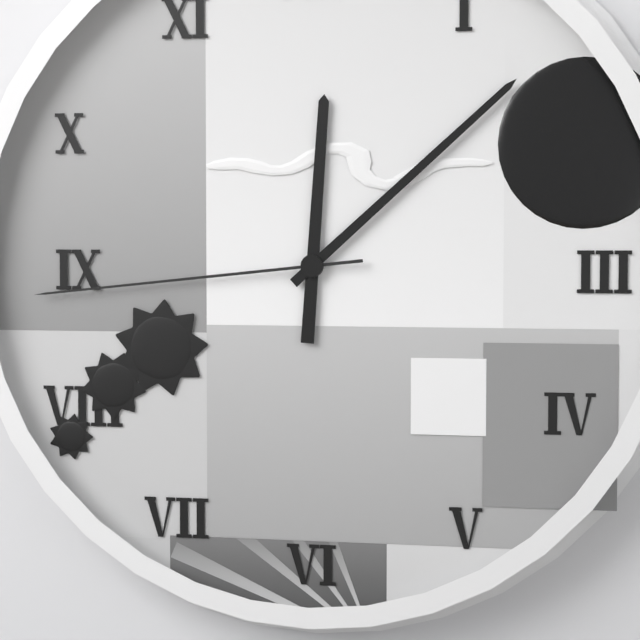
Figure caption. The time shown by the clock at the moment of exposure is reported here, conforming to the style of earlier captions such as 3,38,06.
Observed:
12,08,44
